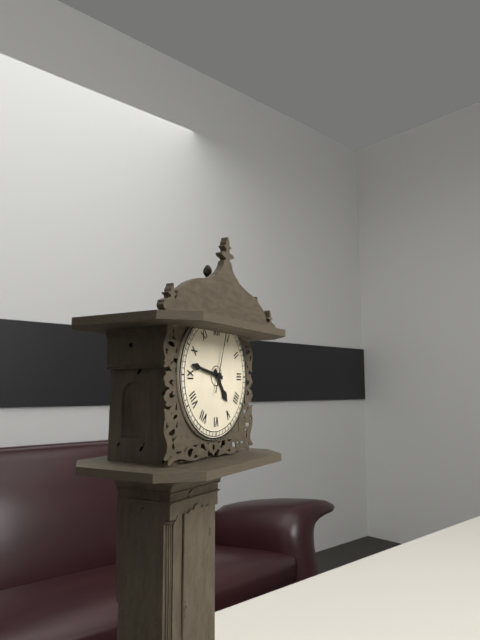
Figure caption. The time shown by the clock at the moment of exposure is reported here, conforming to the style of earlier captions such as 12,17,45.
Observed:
4,47,03
